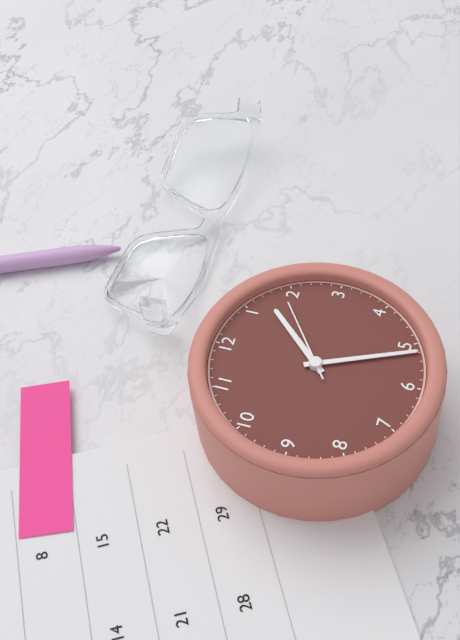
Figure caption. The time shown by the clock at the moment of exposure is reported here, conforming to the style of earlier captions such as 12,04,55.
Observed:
1,26,09
